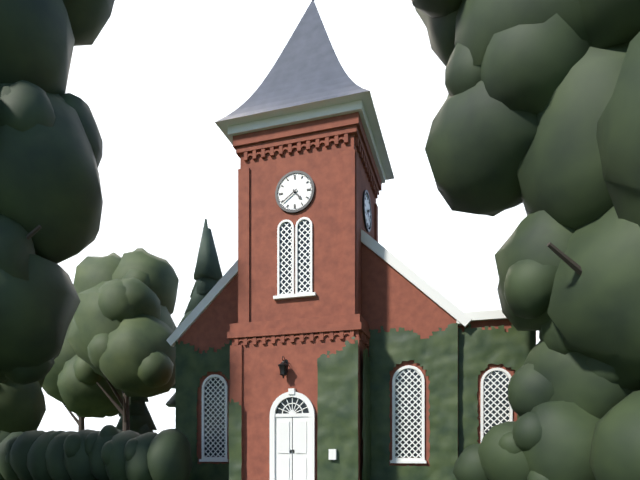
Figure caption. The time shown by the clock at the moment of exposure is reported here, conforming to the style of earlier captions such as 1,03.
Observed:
4,39
